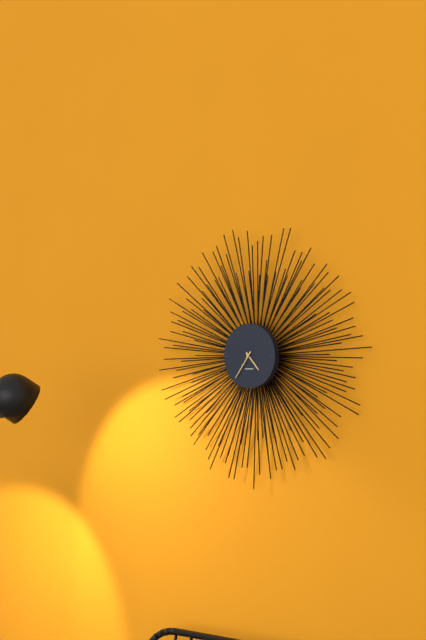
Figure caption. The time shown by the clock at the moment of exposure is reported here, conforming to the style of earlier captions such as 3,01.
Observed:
4,36
